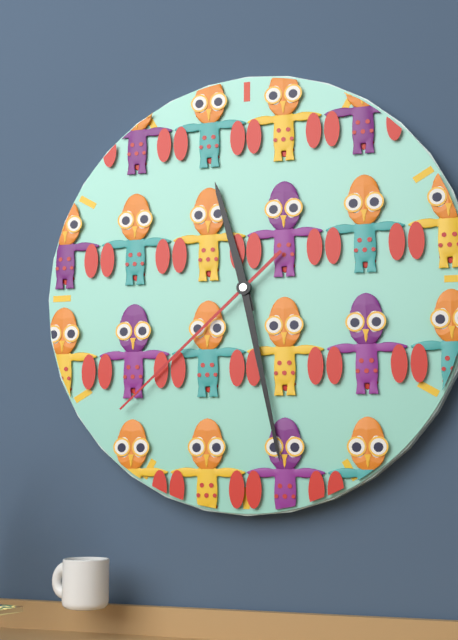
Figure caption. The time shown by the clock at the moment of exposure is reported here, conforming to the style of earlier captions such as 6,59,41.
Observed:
11,28,38
